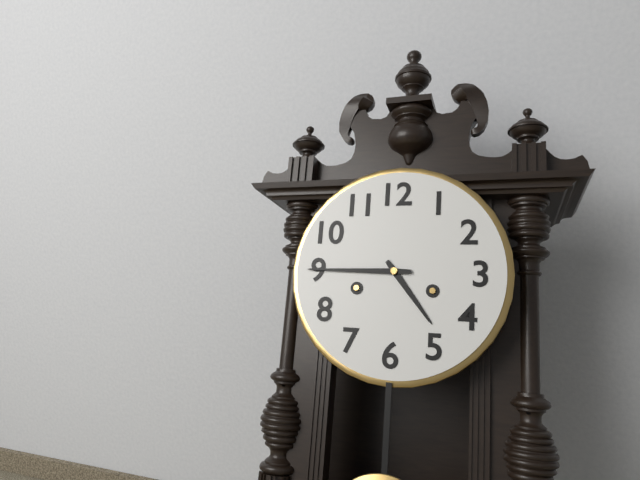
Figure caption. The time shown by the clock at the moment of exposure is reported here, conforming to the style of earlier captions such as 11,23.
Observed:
4,45
